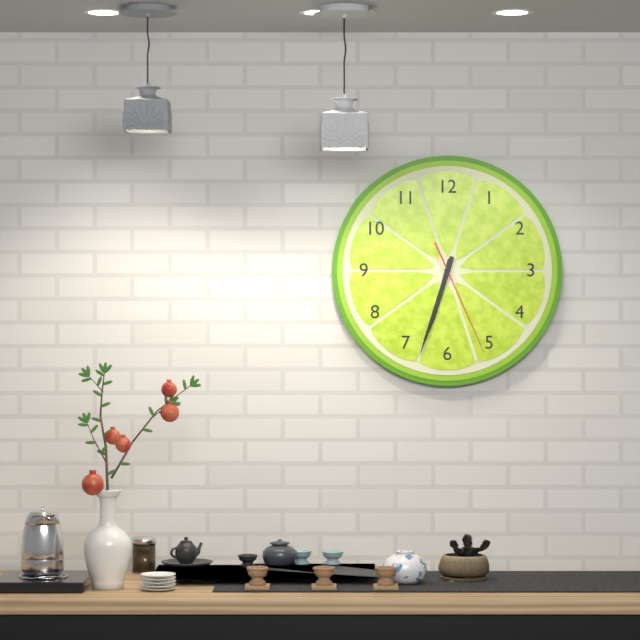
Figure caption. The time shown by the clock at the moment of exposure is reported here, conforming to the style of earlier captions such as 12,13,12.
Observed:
6,33,26
